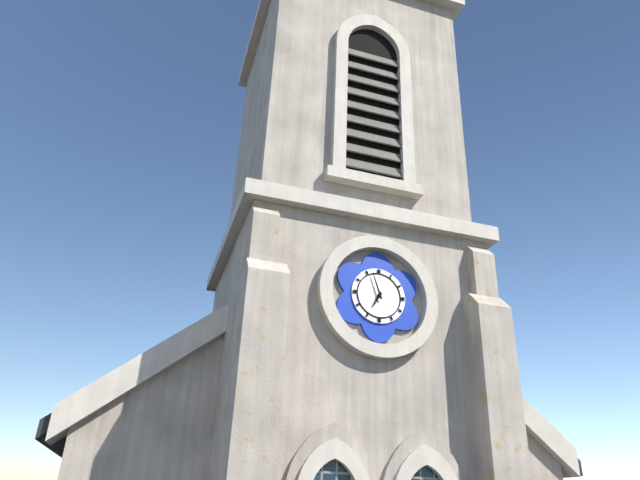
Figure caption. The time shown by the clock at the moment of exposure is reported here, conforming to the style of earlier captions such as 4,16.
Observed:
6,57
